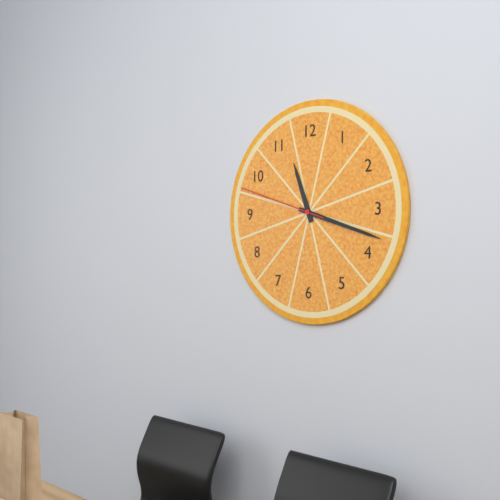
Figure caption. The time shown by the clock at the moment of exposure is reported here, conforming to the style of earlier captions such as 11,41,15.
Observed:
11,18,48
